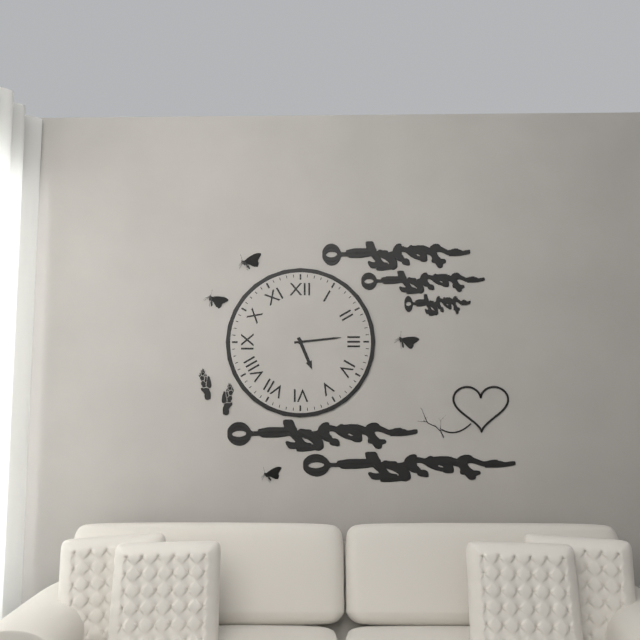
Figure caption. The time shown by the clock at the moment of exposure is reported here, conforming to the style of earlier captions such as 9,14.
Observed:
5,14
